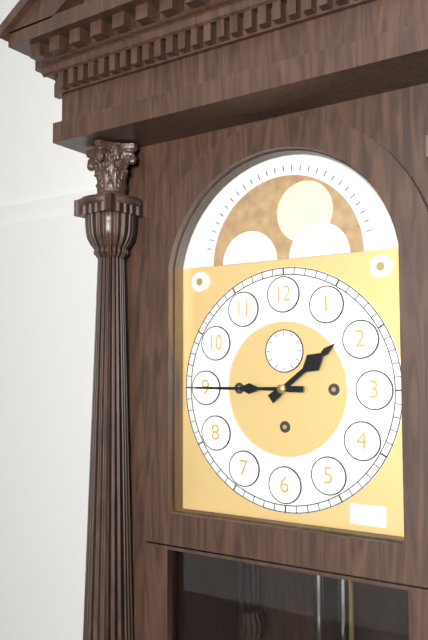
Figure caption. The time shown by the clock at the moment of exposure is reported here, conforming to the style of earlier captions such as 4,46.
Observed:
1,45
